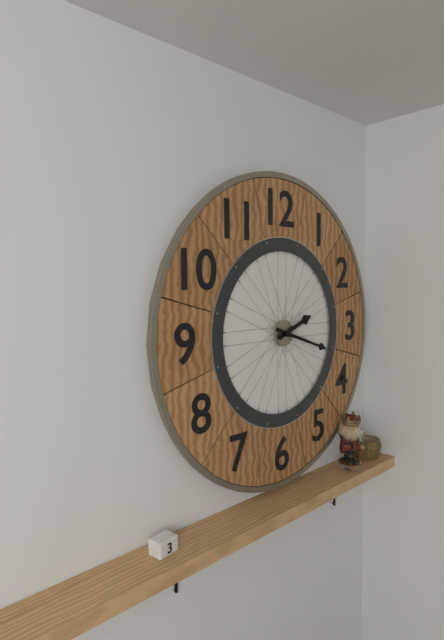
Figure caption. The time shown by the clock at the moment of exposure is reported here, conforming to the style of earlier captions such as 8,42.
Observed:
2,18
